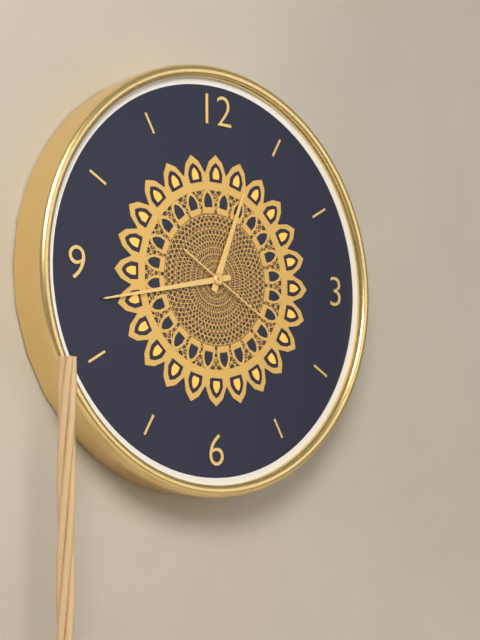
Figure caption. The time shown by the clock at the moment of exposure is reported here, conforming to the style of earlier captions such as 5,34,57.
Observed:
12,43,20
